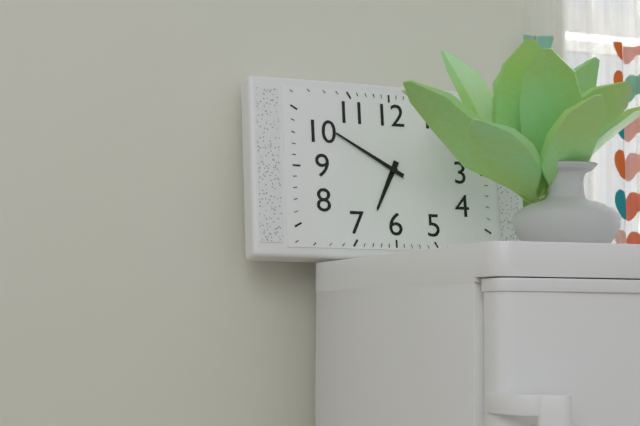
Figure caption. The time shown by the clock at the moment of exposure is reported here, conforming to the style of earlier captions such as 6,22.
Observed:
6,50
